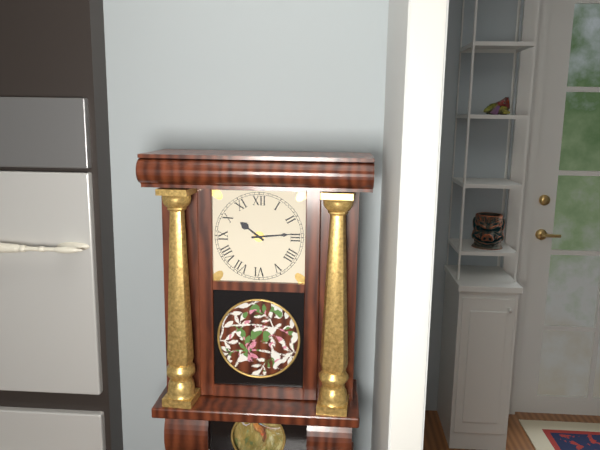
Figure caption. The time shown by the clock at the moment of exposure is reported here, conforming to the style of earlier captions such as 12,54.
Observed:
10,14
